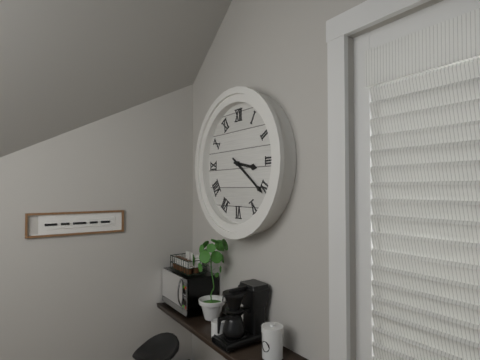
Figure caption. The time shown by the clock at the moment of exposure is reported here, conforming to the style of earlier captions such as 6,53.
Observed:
3,21
